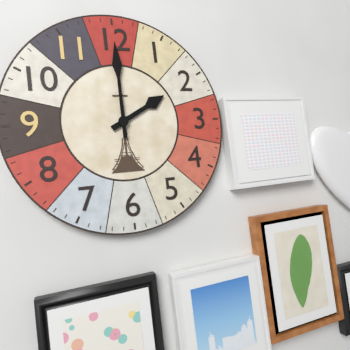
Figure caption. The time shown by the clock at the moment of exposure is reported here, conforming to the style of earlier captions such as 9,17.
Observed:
2,00
